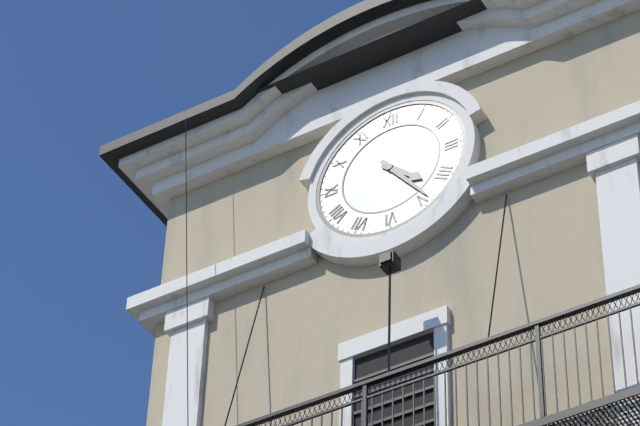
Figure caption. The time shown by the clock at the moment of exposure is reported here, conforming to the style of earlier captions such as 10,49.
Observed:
4,24
